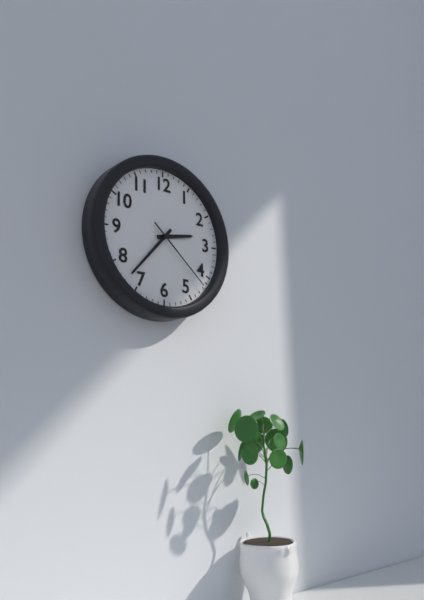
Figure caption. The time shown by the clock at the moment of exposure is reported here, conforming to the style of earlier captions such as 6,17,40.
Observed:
2,37,22
